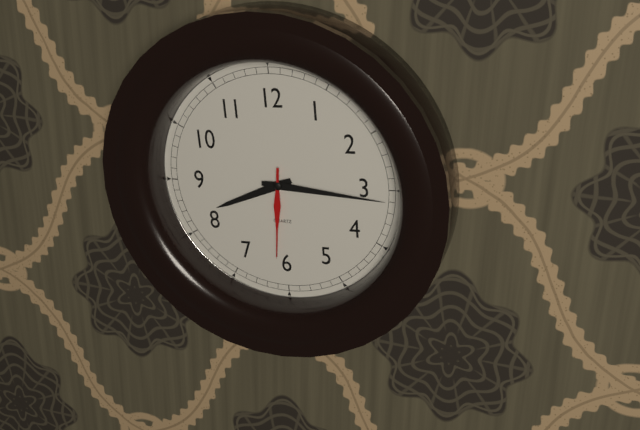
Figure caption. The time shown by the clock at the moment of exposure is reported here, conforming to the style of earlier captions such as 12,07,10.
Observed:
8,16,31
